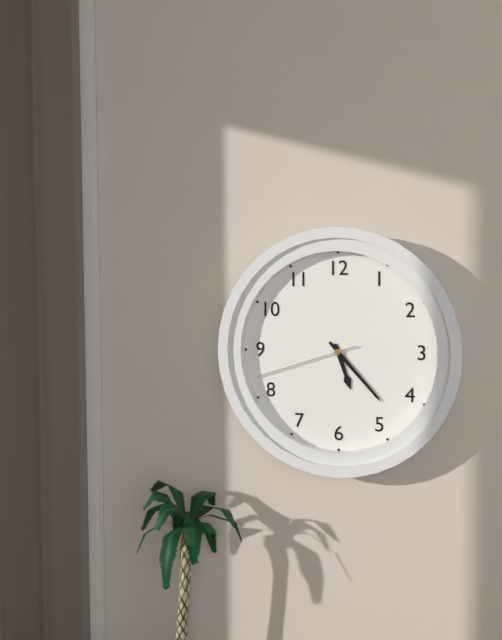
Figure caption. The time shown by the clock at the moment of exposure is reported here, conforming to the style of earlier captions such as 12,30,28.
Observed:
5,23,42
